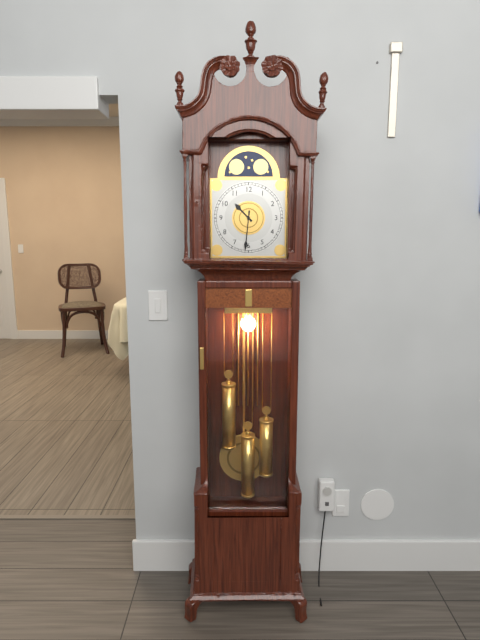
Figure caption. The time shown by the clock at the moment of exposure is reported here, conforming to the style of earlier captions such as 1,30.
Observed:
10,31
